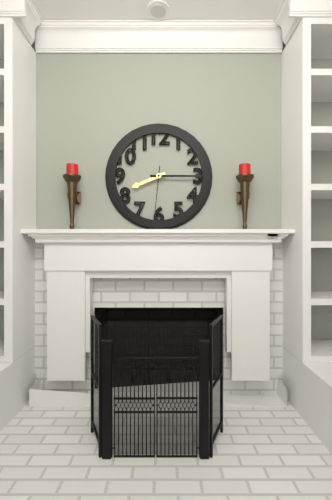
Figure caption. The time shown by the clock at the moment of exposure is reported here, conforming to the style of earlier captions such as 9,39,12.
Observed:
8,15,31
